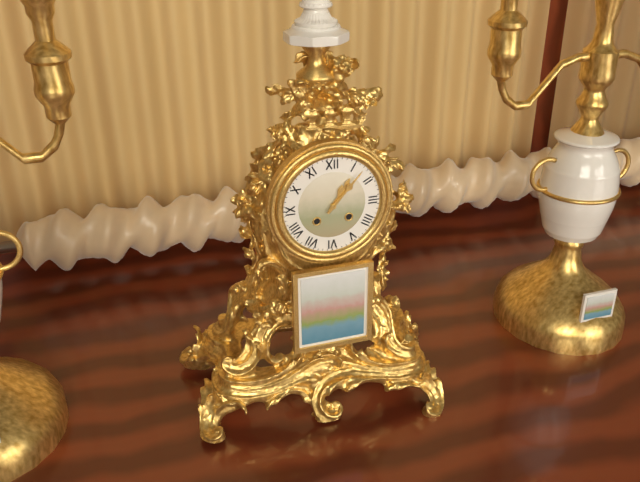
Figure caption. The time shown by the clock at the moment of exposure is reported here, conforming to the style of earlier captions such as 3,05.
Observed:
1,07
